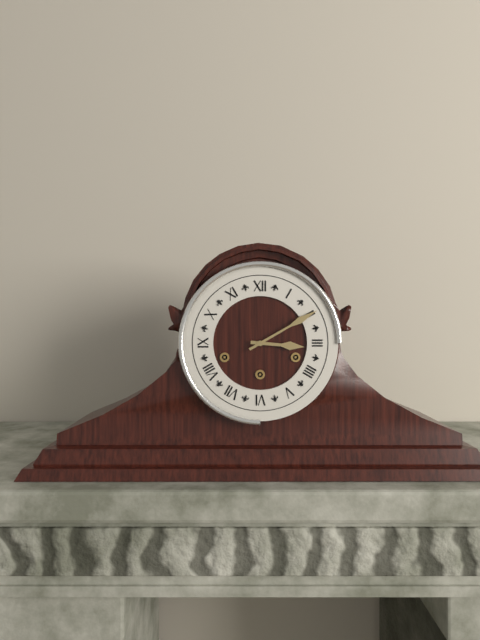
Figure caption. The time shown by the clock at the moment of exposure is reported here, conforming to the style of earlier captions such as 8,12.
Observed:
3,10
